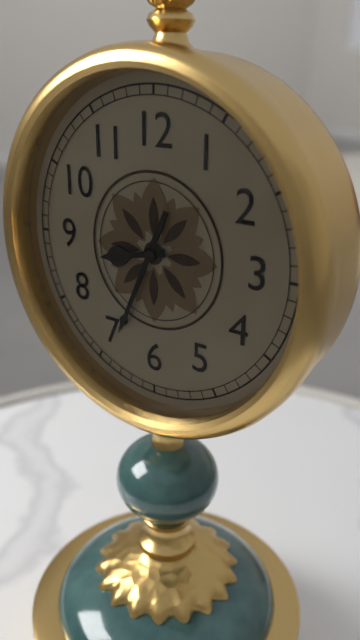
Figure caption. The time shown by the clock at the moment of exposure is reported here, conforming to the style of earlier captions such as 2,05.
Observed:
8,34
